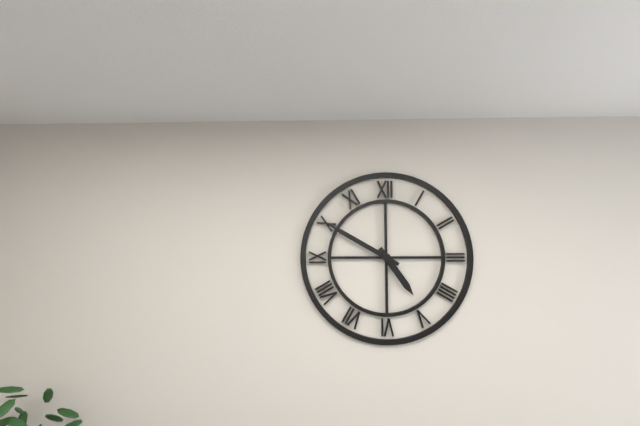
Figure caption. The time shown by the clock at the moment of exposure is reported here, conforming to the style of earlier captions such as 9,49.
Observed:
4,50
